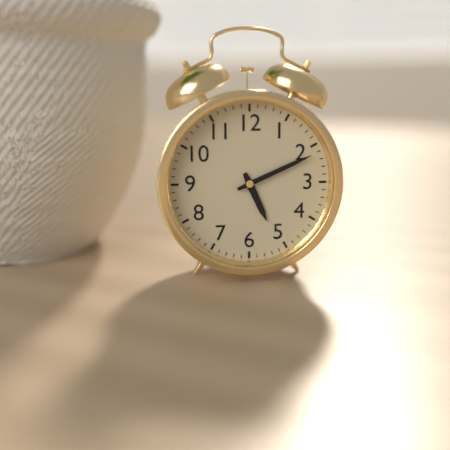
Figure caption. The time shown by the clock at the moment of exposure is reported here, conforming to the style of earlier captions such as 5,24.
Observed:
5,11
